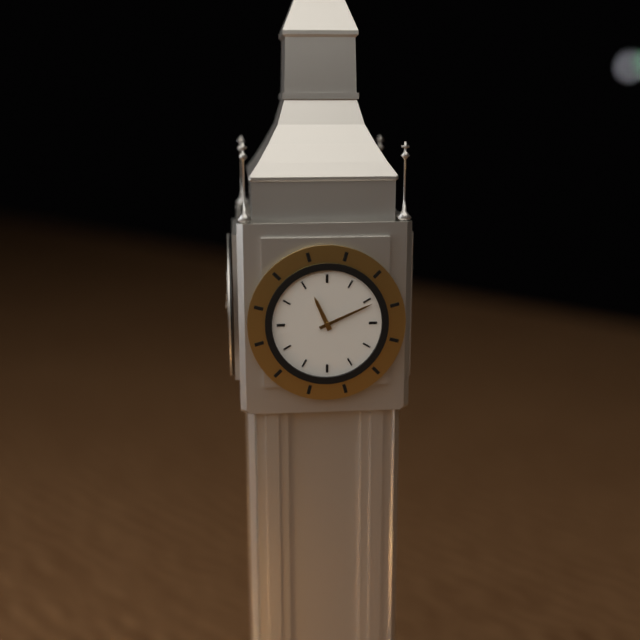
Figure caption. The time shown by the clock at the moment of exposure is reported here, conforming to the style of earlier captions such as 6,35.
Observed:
11,11
